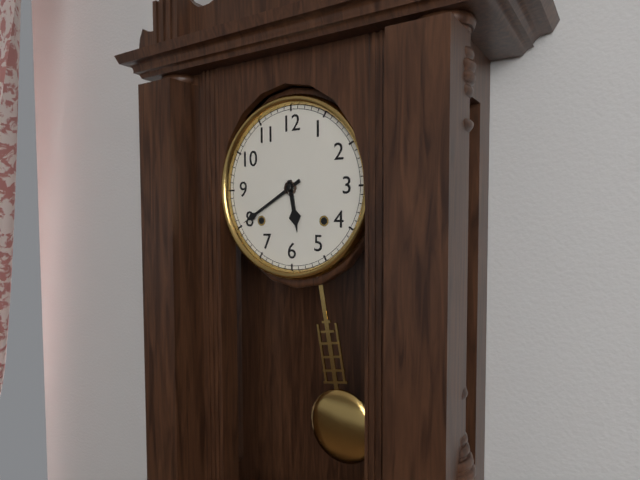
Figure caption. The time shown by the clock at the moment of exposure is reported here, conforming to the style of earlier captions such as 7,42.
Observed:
5,40
